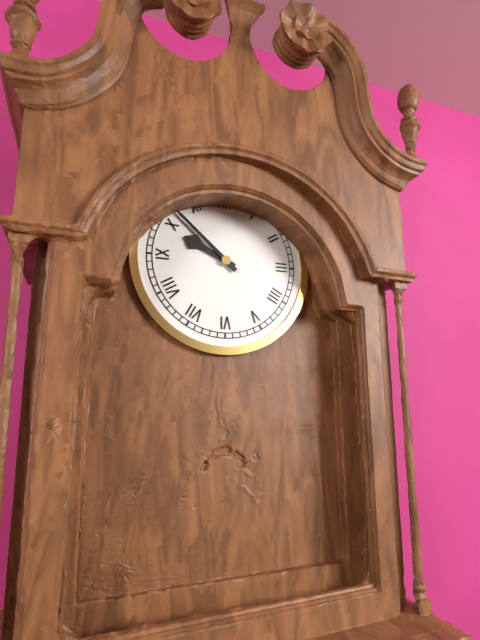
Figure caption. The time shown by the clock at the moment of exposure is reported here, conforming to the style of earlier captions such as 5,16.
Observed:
9,52
